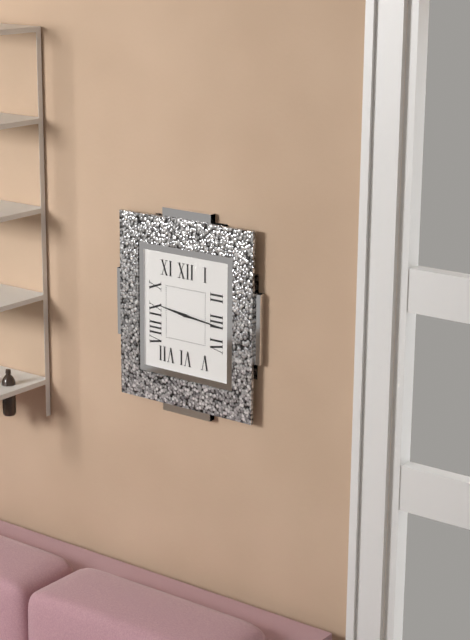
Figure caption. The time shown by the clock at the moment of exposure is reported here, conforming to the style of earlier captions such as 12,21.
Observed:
9,16
